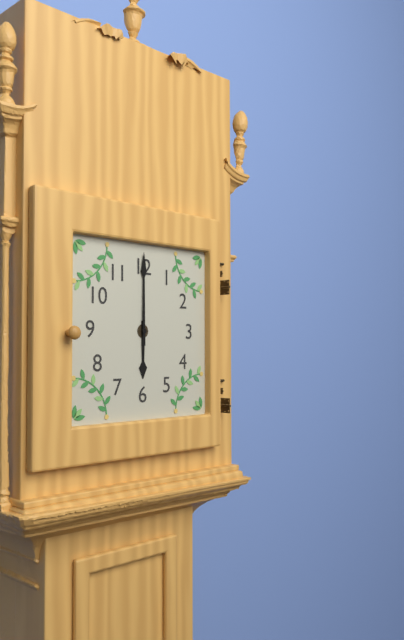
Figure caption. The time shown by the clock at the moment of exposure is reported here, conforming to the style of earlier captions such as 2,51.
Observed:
6,00
